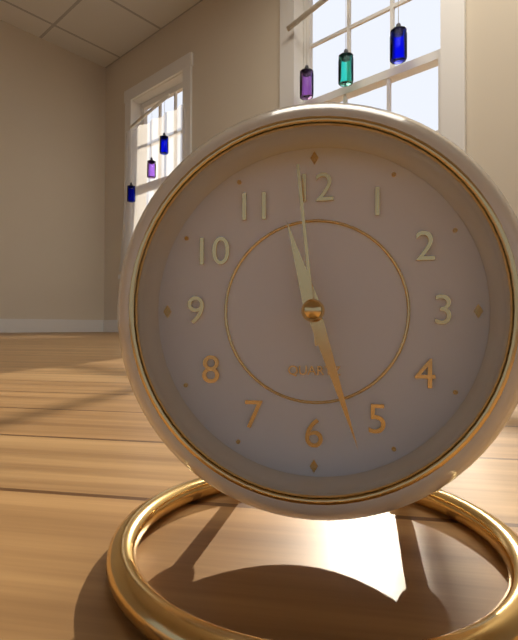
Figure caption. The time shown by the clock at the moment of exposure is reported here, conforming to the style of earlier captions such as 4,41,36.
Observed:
11,27,59
